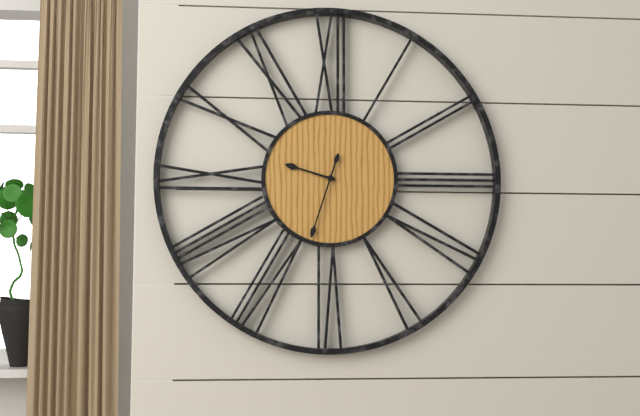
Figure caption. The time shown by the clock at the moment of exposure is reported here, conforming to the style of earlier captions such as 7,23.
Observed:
9,33
